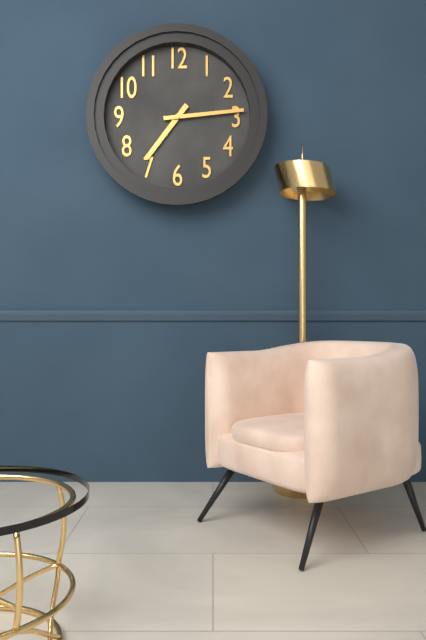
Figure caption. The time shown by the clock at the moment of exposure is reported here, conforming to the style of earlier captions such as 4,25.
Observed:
7,14
